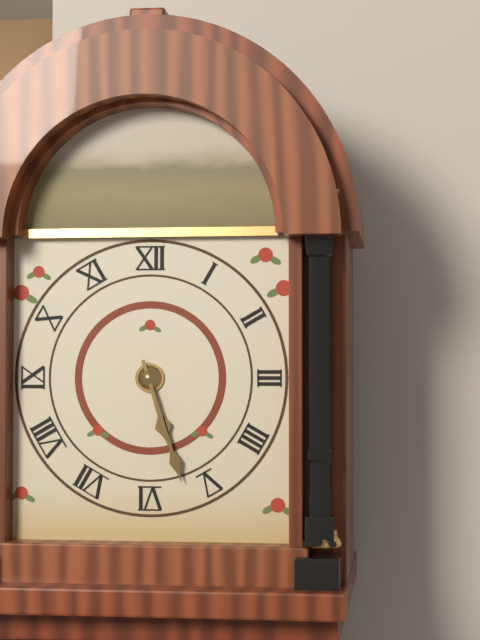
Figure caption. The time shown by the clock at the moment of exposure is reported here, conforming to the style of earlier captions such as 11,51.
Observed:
5,27
